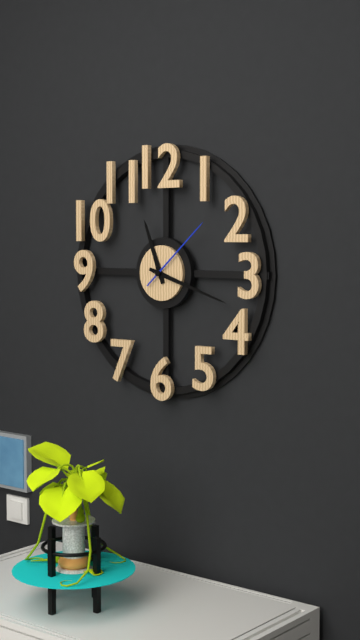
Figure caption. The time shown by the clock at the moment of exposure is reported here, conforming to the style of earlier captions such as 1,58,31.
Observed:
11,18,08
